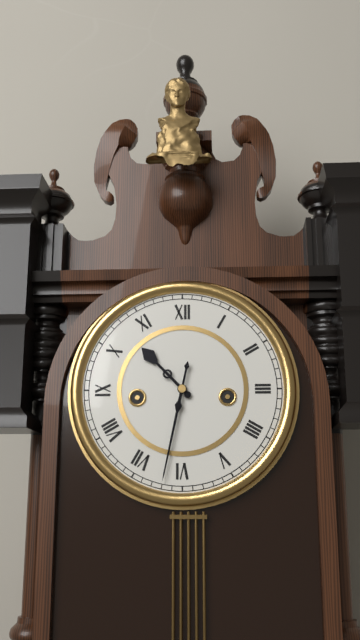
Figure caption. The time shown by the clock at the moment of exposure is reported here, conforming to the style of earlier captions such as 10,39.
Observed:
10,32
